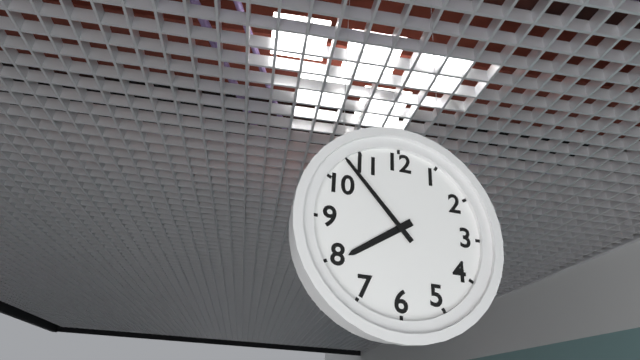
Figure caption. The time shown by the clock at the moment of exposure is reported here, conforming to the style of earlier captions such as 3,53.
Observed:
7,53
